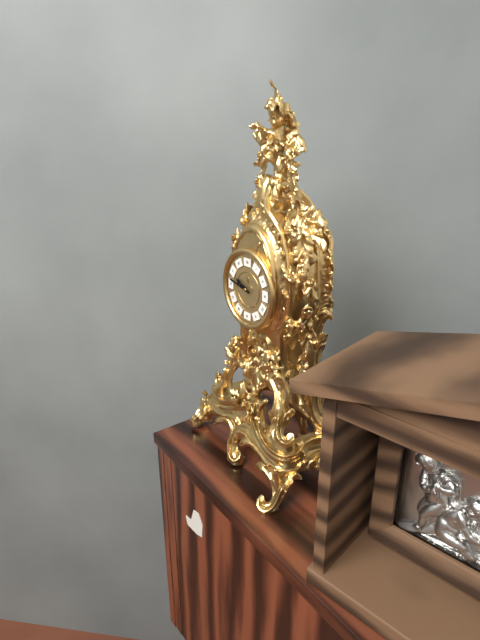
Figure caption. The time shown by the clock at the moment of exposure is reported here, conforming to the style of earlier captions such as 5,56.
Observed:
9,47
